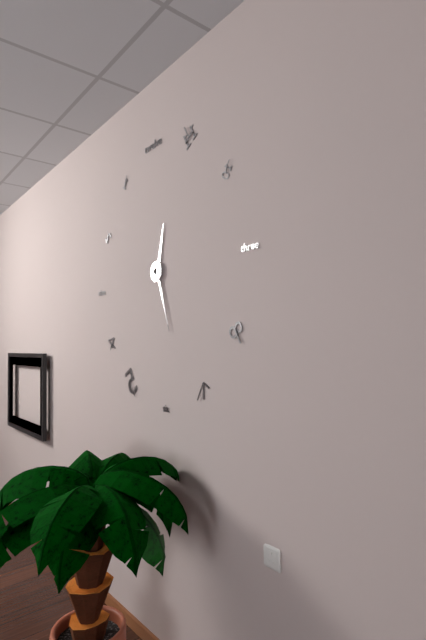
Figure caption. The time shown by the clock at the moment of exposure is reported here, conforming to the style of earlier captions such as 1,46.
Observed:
12,27
